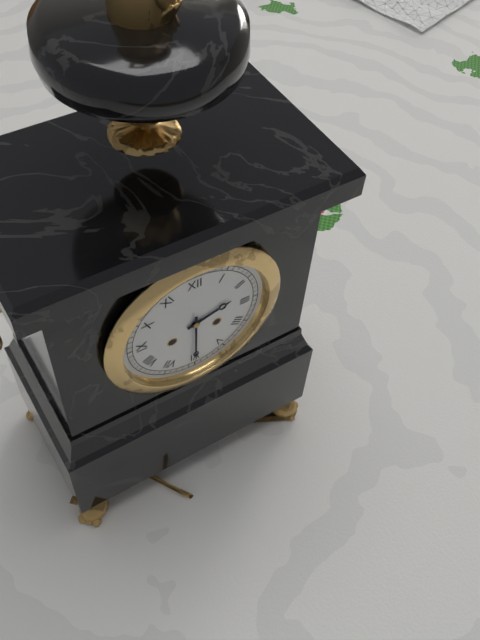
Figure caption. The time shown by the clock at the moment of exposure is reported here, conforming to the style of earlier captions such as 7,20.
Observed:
2,30
